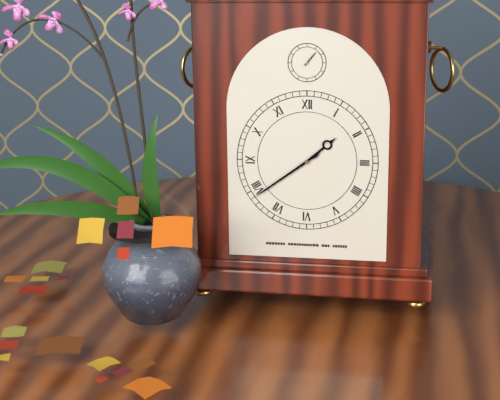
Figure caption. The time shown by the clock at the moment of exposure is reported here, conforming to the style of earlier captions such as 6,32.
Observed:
1,39
